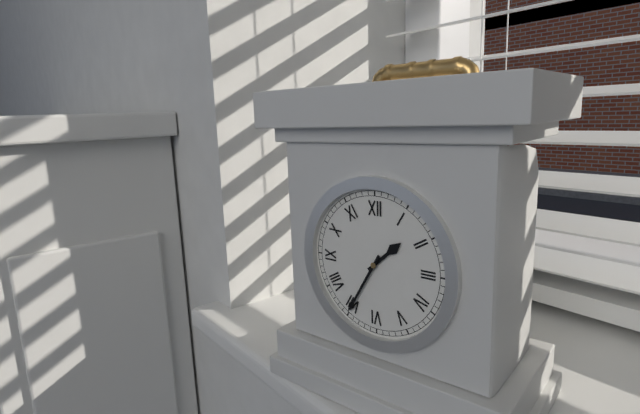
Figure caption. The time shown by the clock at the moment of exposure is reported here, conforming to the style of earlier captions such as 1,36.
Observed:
1,35
